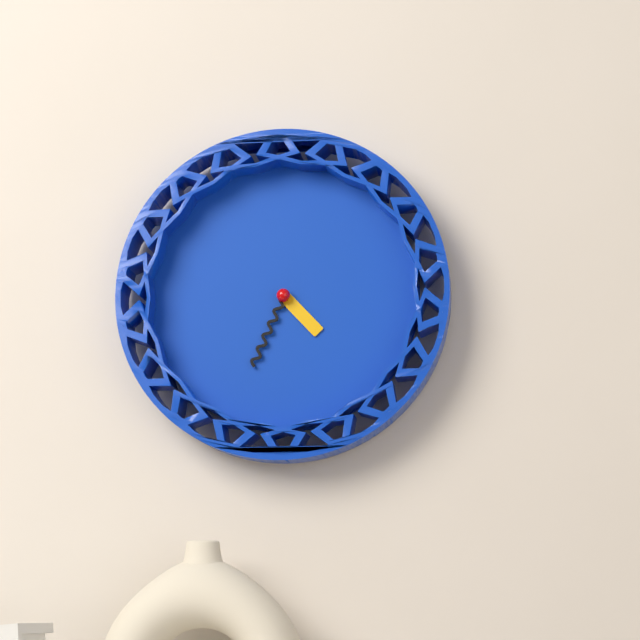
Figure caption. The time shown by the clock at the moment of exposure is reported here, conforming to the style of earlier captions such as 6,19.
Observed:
4,34
